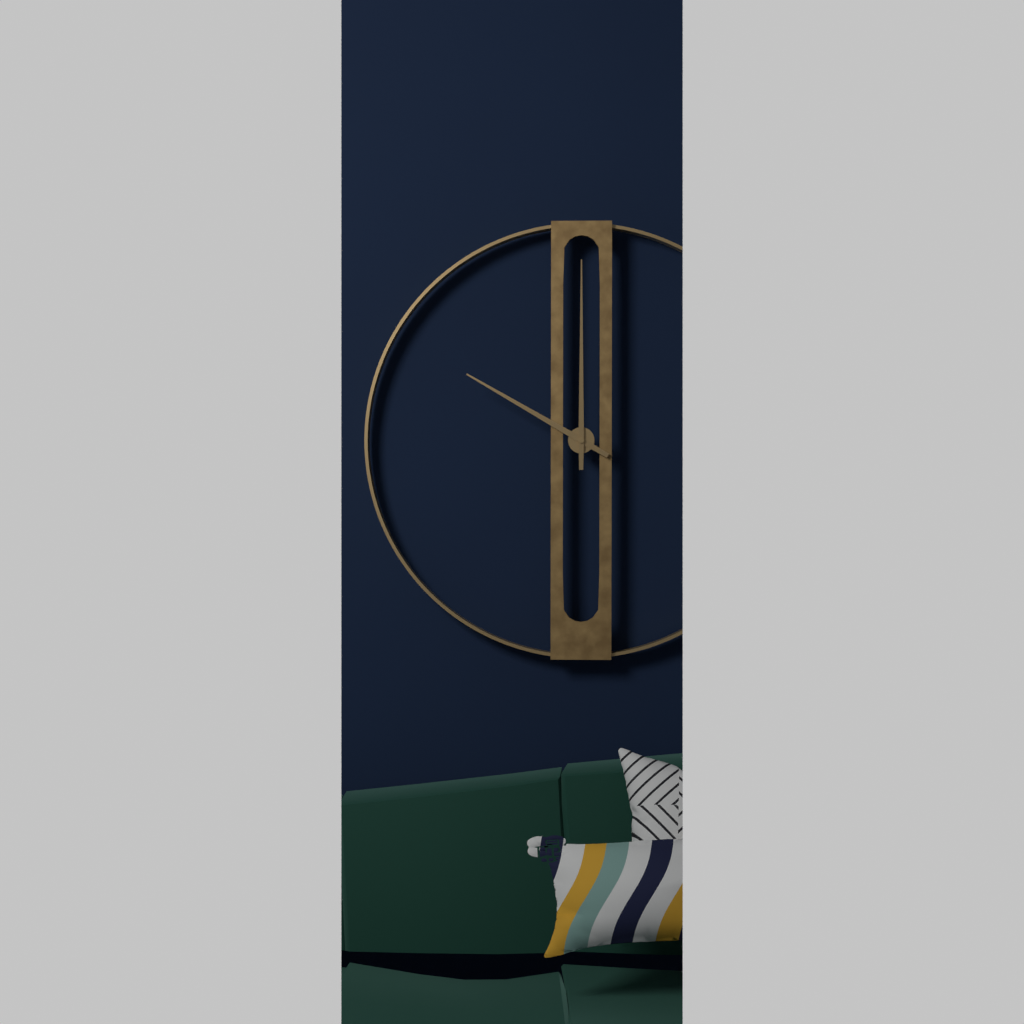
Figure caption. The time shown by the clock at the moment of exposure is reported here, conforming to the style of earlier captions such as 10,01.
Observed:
10,00
